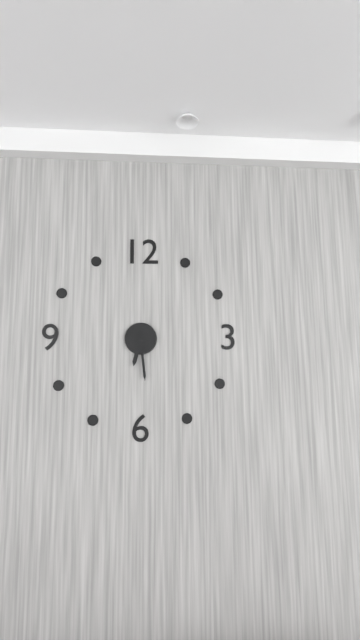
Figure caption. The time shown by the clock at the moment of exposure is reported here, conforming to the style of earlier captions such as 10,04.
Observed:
6,29
